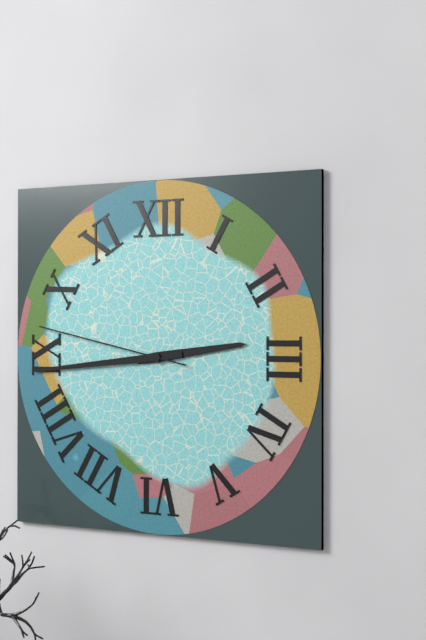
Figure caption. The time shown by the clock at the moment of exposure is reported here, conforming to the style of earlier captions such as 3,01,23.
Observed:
2,44,47
